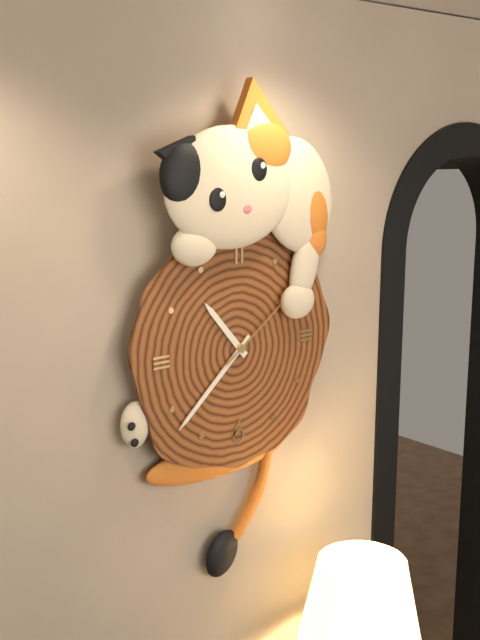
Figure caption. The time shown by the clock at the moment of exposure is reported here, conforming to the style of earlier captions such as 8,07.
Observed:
10,38
